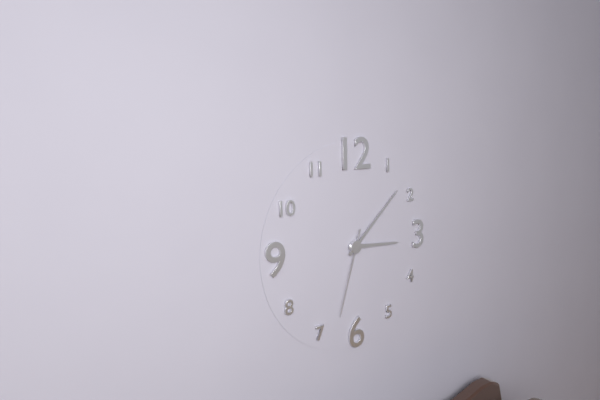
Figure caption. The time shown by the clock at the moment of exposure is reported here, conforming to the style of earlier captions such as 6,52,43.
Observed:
3,08,33
